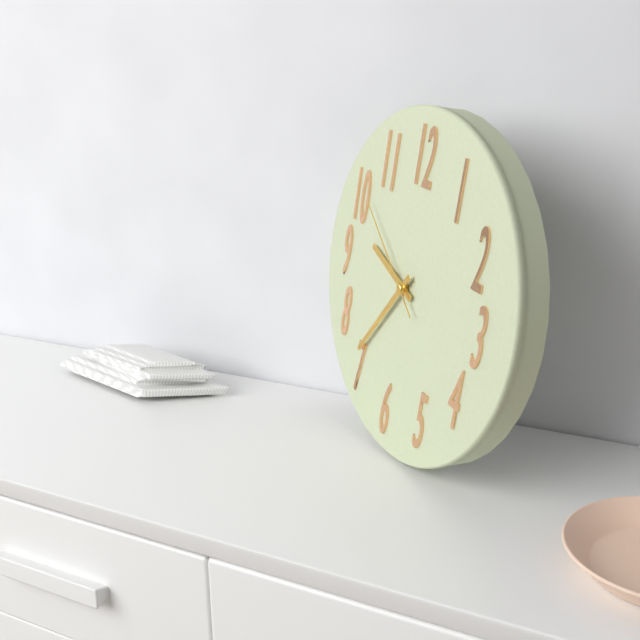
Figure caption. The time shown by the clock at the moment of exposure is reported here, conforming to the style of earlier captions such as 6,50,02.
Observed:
9,36,51
